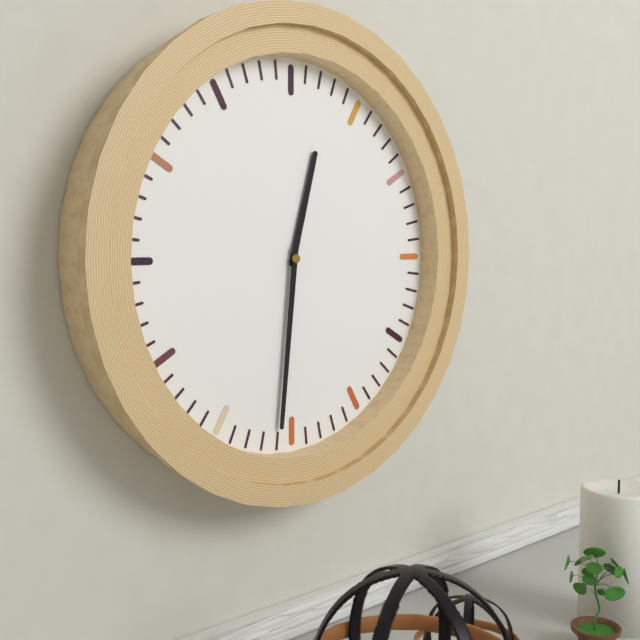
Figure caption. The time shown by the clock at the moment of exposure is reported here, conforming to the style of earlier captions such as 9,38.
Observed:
12,31
